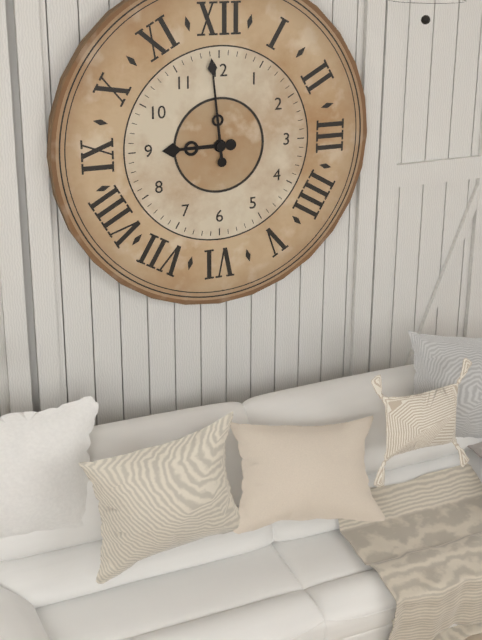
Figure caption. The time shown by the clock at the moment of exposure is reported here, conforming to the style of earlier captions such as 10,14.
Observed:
8,59
